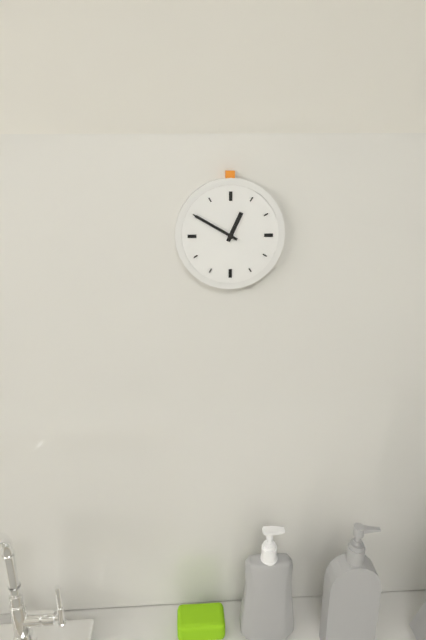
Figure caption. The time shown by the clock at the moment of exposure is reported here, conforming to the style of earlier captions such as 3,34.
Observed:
12,50
